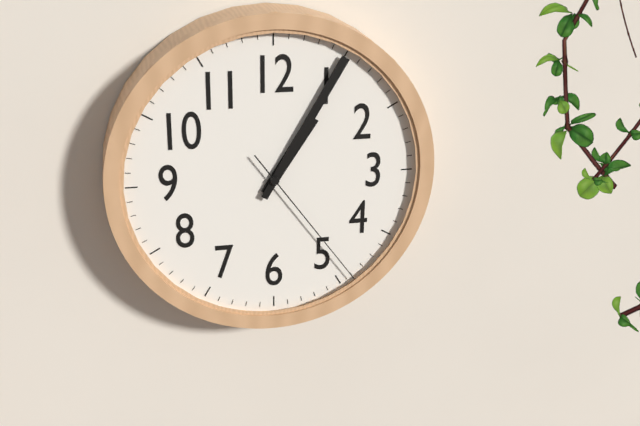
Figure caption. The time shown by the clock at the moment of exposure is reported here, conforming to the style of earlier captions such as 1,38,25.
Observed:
1,05,24
